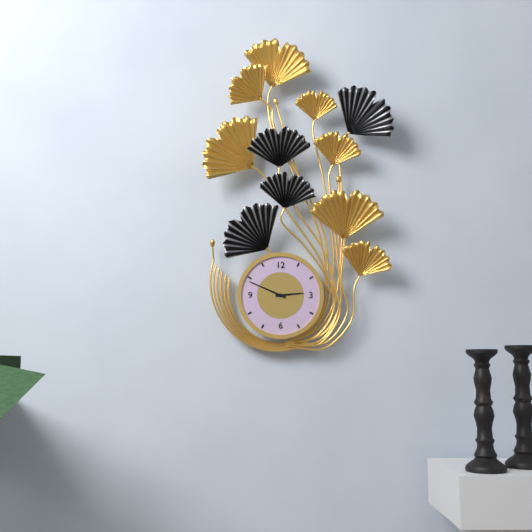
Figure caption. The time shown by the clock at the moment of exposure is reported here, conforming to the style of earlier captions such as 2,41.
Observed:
2,49
